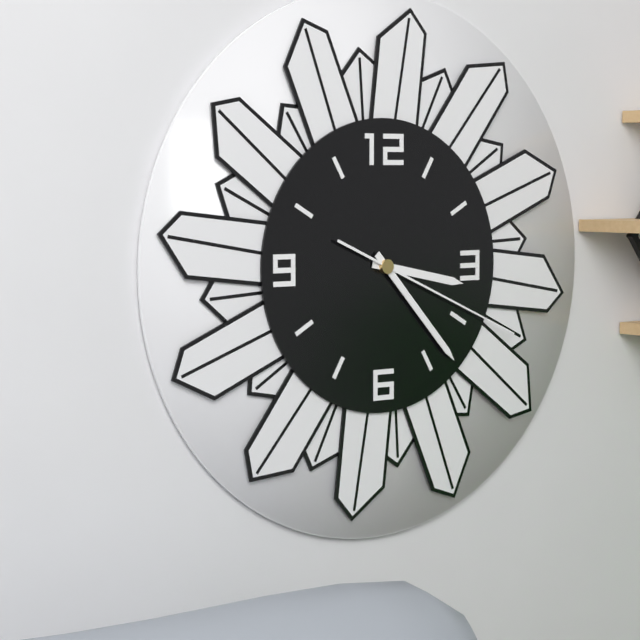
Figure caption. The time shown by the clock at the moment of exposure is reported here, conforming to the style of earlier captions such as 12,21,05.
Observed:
3,23,19
